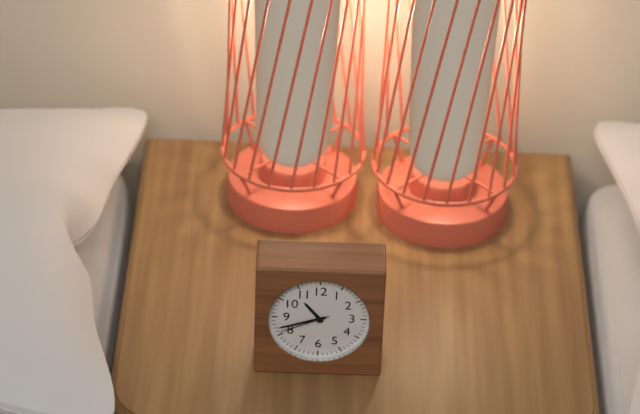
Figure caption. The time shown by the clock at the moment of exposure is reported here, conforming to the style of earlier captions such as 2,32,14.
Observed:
10,42,41
